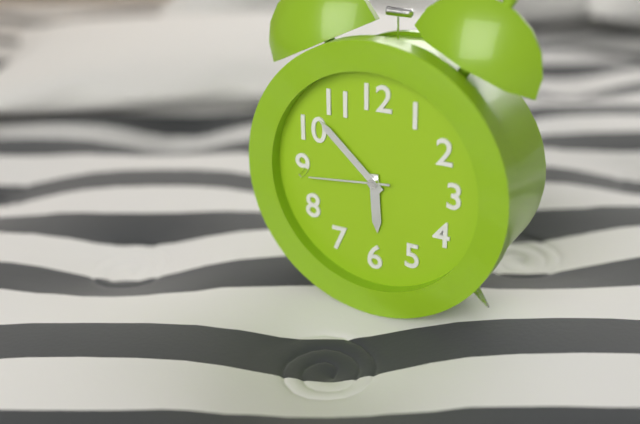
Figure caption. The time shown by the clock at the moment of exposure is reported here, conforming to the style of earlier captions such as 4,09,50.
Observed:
5,52,44
